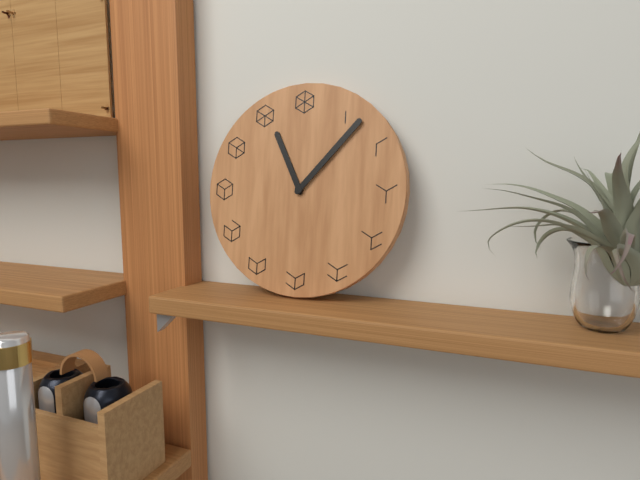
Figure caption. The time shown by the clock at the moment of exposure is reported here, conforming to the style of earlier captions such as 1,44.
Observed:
11,07
